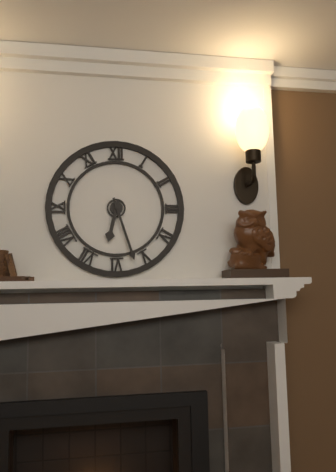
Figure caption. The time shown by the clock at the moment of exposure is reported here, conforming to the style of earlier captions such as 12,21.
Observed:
6,27
